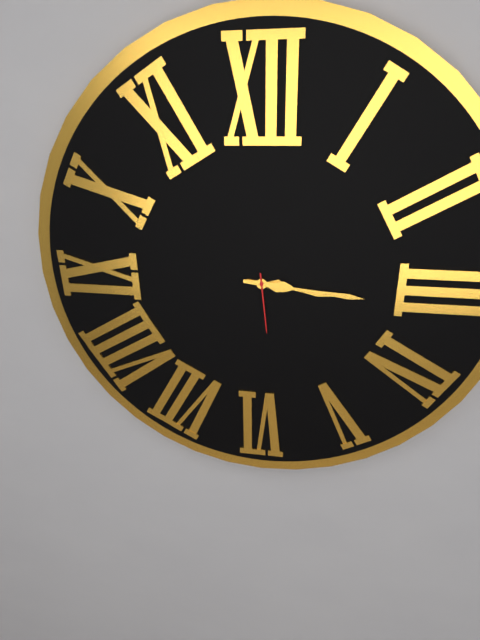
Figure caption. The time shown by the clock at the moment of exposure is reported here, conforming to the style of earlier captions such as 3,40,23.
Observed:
3,16,29
